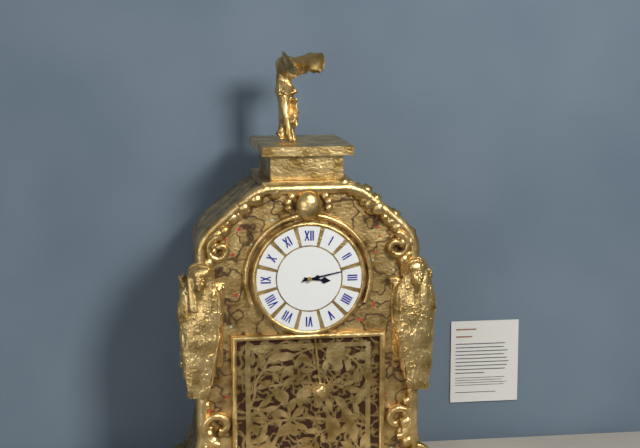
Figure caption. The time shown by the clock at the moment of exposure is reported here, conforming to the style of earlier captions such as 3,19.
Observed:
3,13
